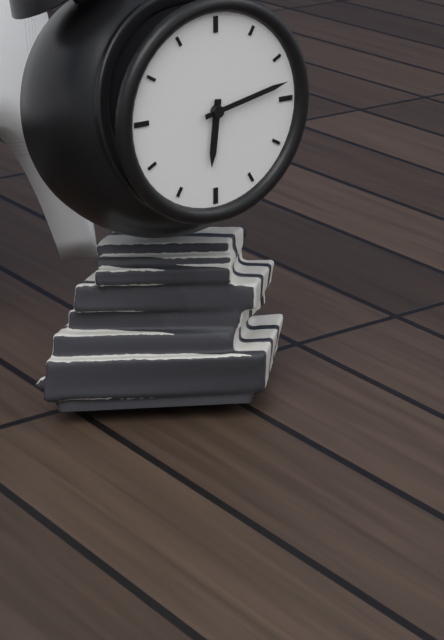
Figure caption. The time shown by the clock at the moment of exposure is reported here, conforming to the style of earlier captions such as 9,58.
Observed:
6,13
